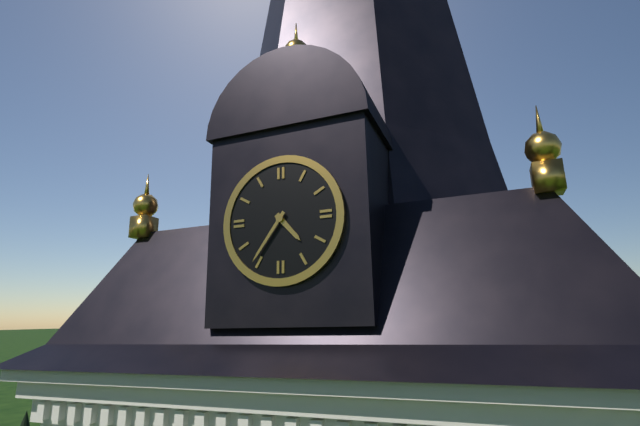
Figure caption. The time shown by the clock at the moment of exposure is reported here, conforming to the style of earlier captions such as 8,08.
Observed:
4,36
